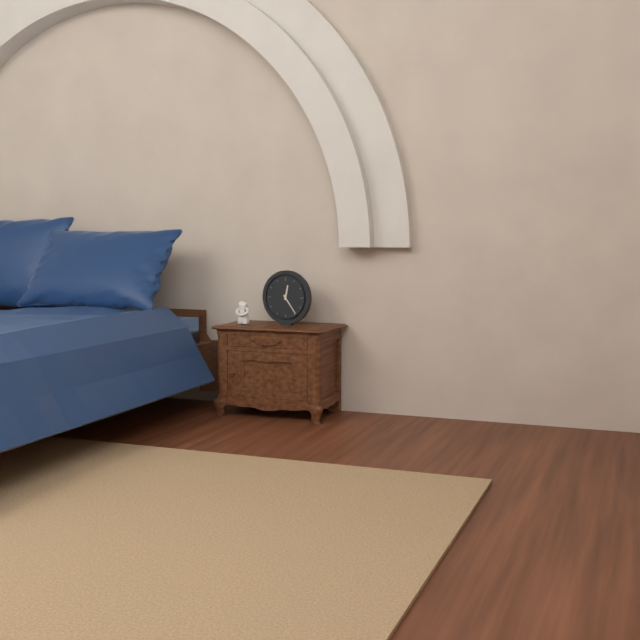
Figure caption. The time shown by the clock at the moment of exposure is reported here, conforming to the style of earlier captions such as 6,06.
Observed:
12,24
